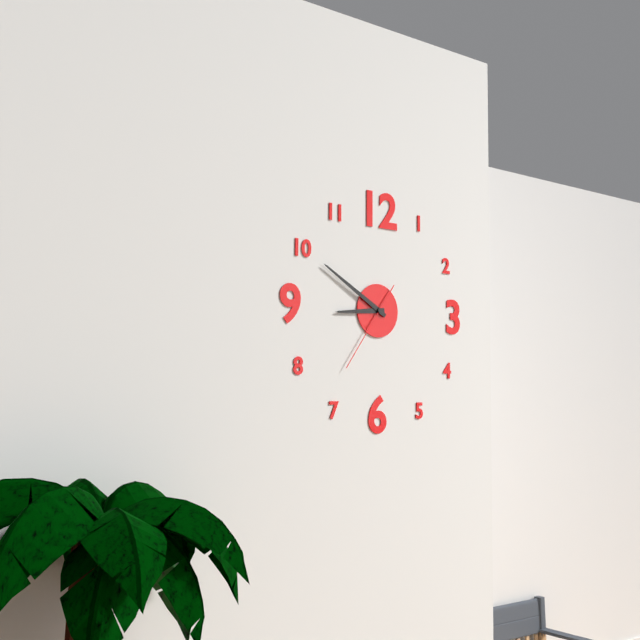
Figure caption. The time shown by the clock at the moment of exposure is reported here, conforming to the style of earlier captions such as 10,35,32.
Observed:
8,50,36
